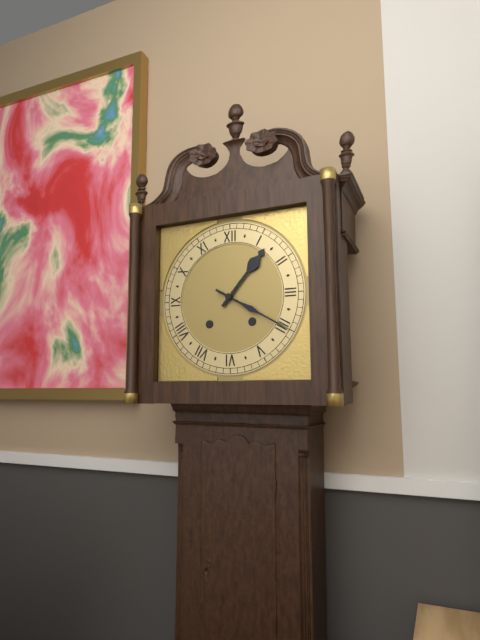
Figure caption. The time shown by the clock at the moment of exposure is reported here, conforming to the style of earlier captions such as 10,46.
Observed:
1,20
